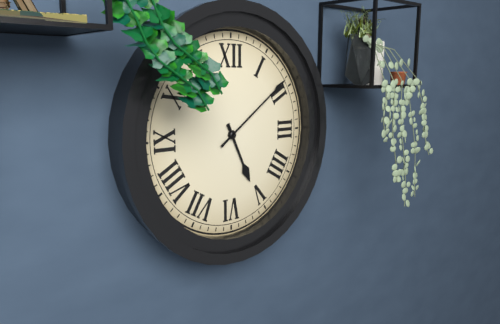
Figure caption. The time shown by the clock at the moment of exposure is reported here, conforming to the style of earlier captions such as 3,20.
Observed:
5,09
